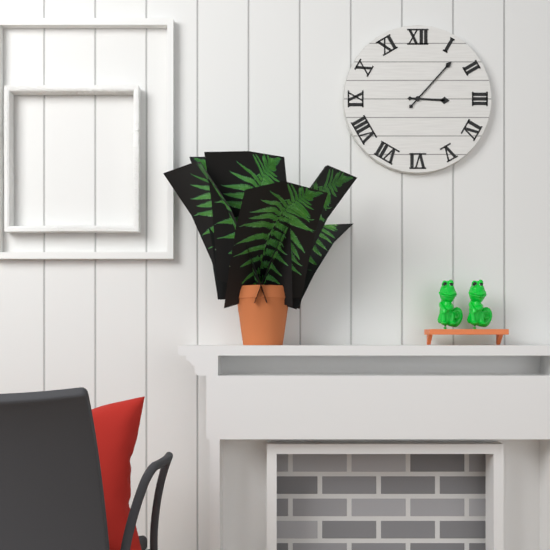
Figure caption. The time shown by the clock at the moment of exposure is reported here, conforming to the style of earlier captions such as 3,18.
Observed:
3,07
